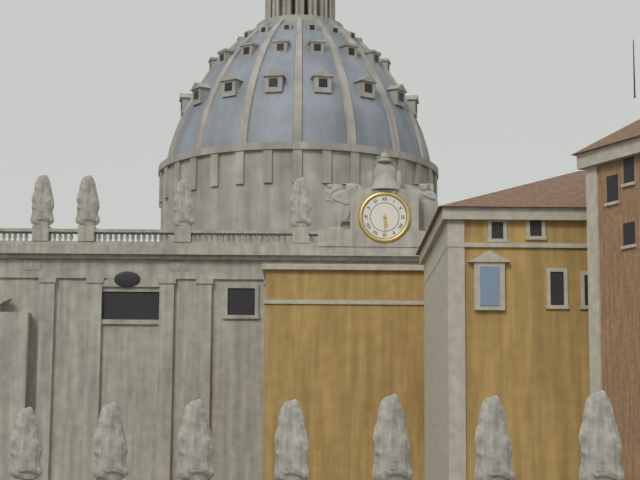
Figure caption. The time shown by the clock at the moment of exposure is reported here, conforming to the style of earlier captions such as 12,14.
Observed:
5,30
